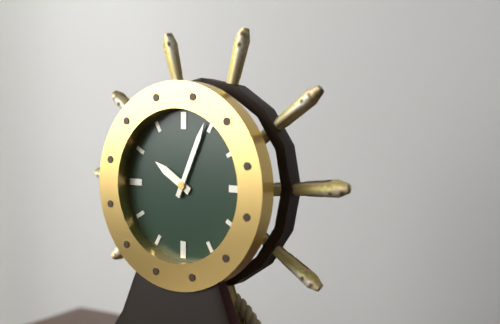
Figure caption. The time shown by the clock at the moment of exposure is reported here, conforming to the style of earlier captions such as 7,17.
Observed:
10,04
